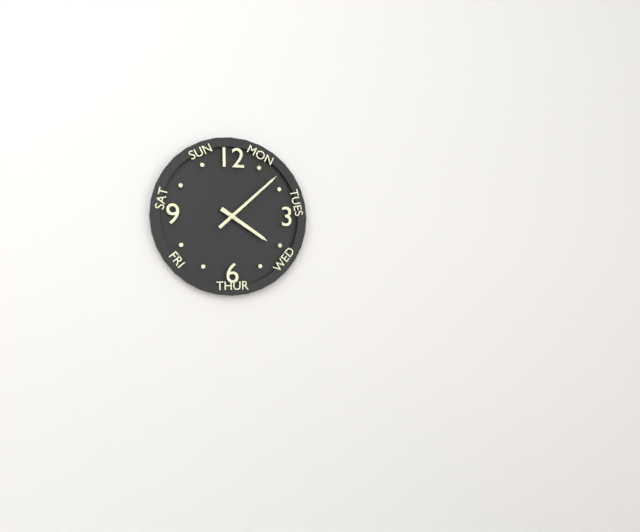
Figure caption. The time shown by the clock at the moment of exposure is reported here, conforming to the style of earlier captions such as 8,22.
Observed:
4,08
